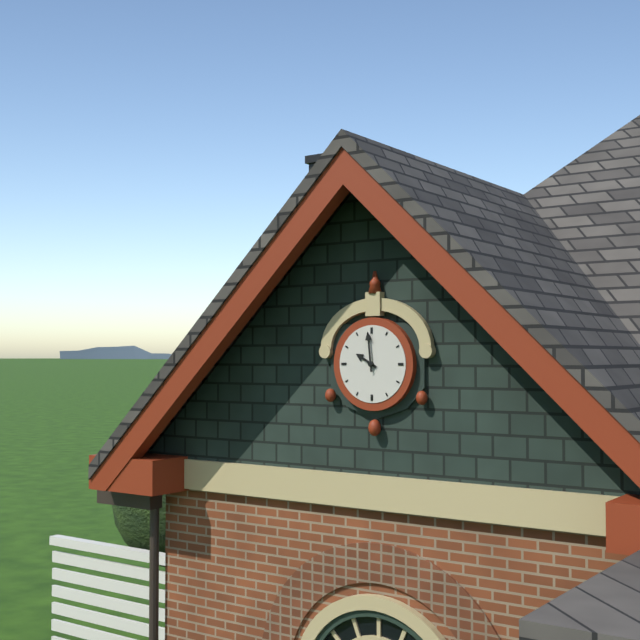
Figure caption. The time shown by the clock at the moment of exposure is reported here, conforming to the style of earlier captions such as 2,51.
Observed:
9,59
